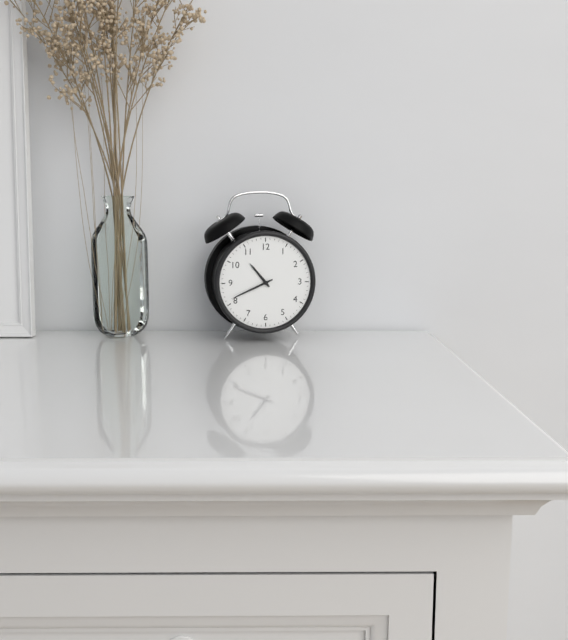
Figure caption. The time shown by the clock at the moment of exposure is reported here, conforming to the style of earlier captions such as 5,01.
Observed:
10,41
